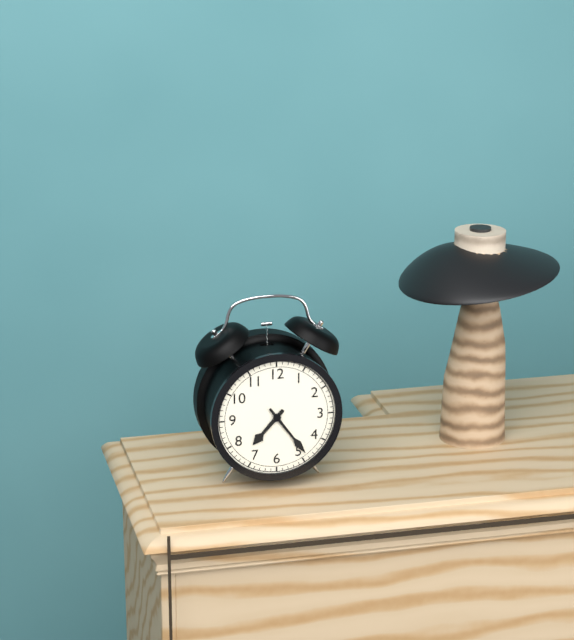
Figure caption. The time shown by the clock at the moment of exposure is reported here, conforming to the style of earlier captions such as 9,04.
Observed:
7,24
